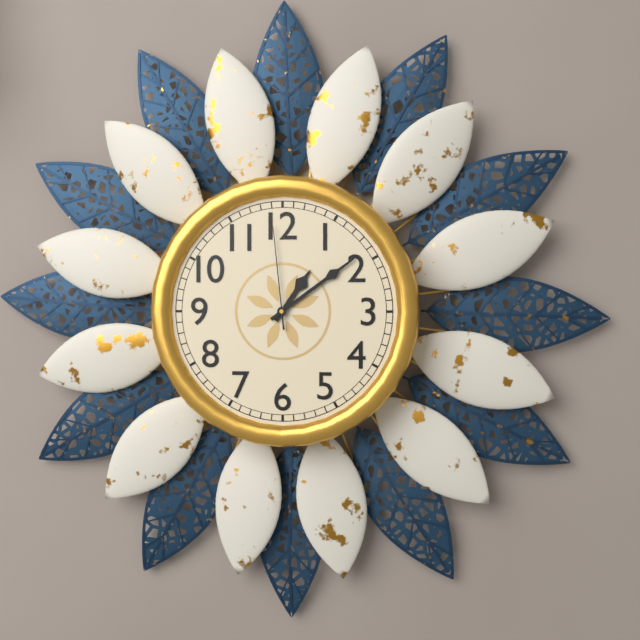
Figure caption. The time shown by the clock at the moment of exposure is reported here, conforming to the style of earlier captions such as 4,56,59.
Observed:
1,09,59
